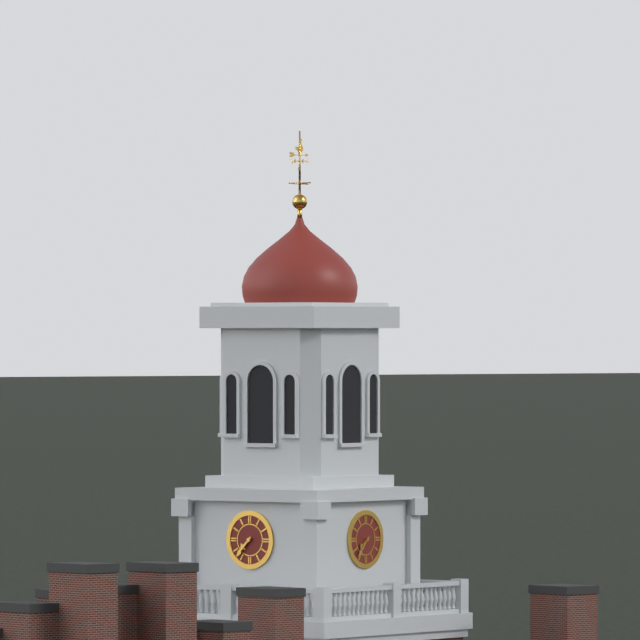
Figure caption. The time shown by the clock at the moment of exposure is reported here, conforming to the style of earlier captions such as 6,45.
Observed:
7,37
